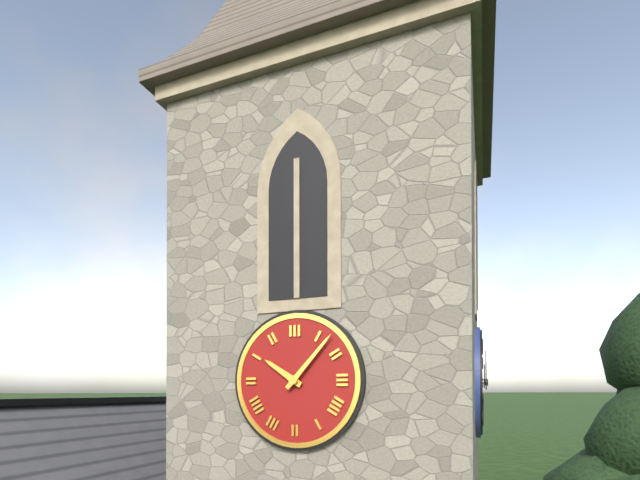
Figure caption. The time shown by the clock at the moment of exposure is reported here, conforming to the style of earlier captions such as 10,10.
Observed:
10,07
